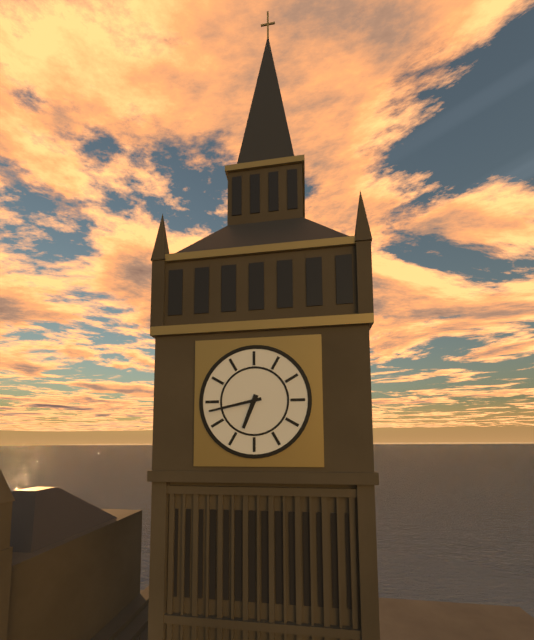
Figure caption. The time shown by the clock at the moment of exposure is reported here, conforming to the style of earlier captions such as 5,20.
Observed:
6,43
